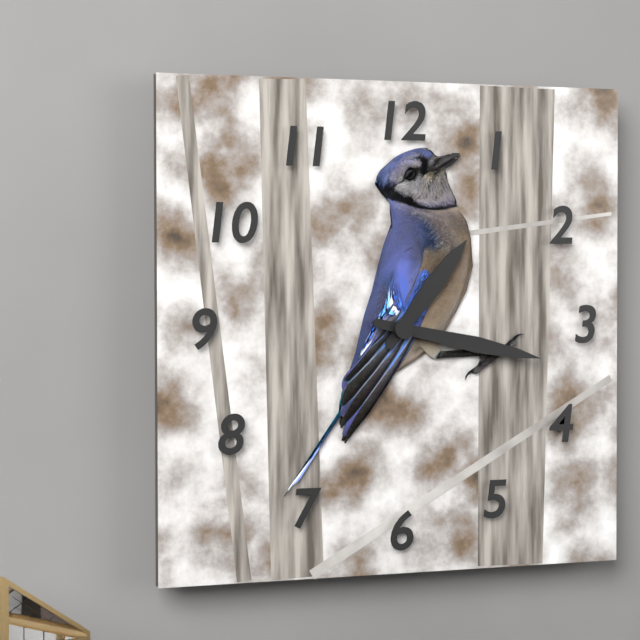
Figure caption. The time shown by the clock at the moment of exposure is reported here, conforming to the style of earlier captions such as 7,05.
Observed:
1,17
